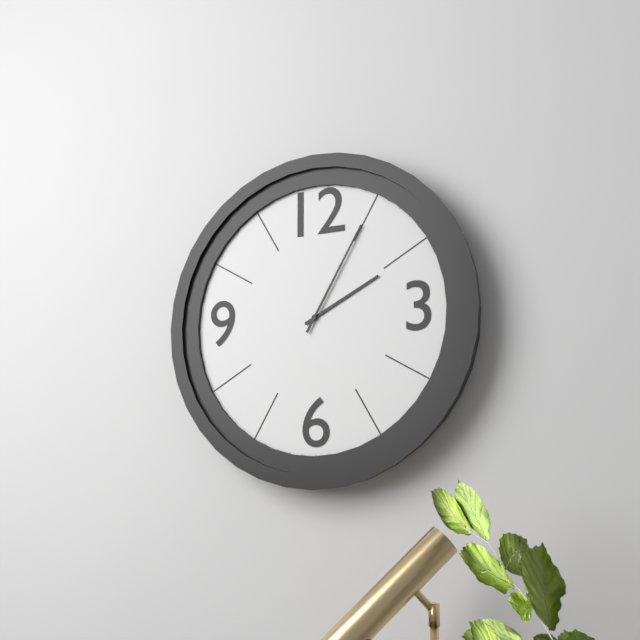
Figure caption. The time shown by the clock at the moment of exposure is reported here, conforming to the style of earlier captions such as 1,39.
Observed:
2,05
